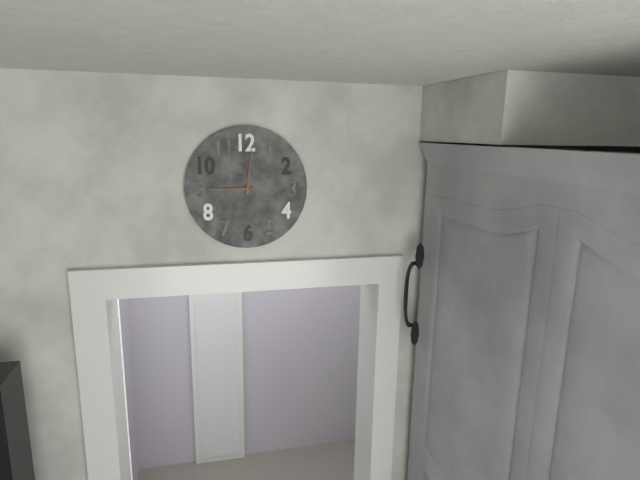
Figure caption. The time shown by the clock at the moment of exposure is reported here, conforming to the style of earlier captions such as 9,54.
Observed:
9,01
